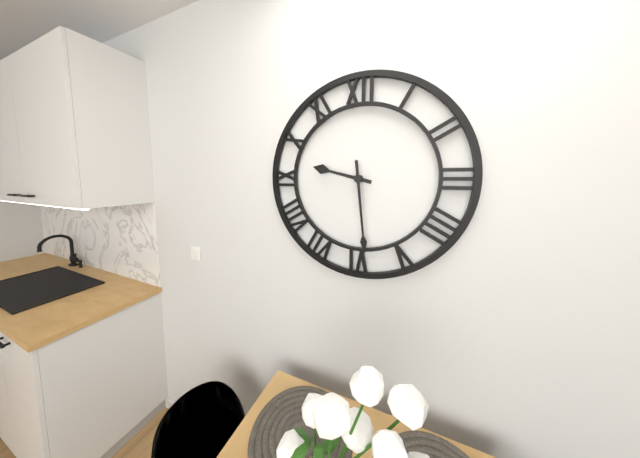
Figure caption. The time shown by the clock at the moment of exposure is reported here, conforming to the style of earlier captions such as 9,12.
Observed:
9,29
